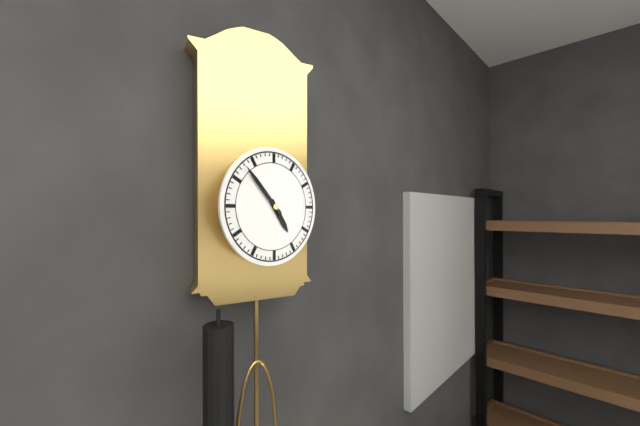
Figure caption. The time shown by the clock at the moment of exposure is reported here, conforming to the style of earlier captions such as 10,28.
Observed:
4,53
